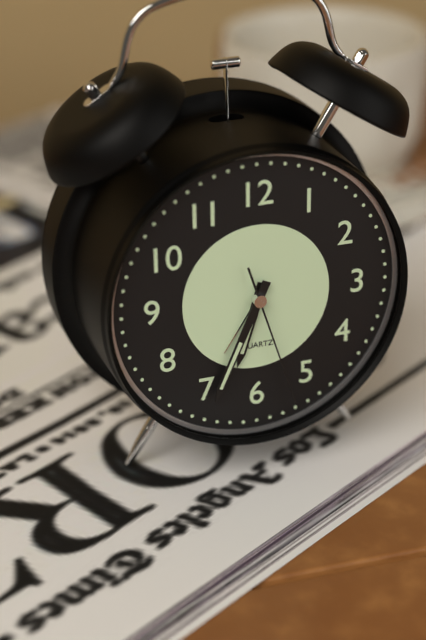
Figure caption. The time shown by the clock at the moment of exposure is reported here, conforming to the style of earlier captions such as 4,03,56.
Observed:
6,34,27
